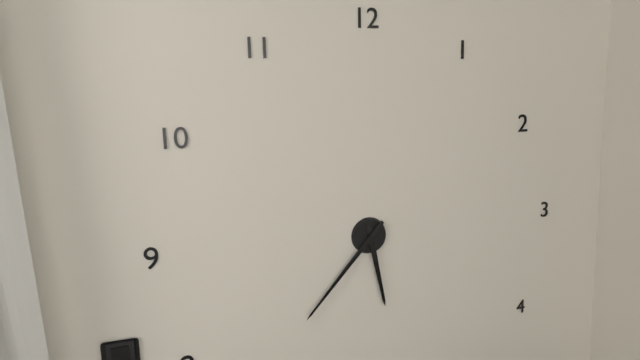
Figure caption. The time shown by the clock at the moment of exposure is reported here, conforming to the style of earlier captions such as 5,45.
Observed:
5,37
